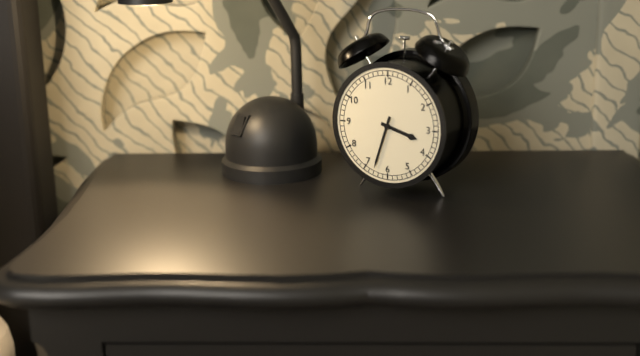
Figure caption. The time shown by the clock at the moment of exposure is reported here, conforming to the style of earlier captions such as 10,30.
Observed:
3,33
